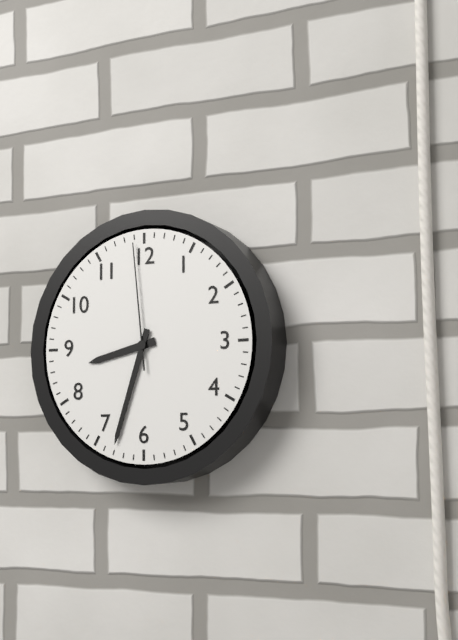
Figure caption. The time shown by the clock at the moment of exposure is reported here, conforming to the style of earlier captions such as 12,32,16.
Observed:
8,33,59
